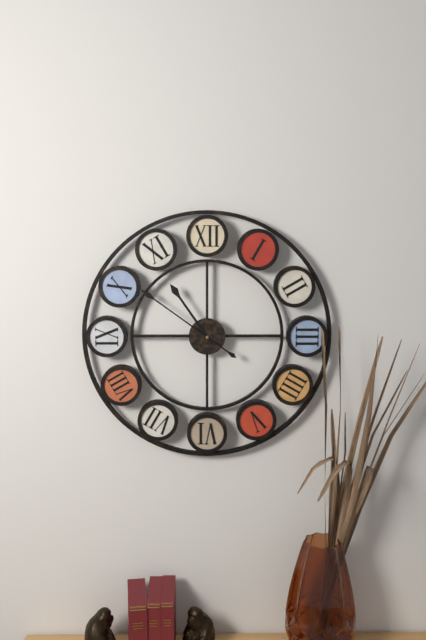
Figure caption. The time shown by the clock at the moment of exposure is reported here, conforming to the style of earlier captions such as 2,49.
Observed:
10,51
